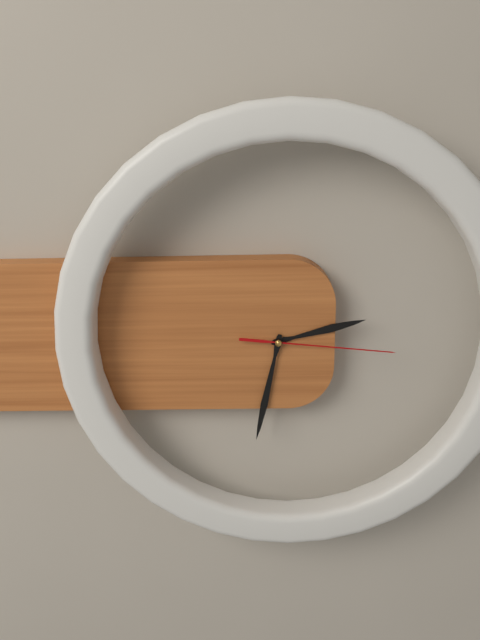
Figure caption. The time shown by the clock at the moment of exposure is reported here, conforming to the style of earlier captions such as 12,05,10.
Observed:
2,32,16
